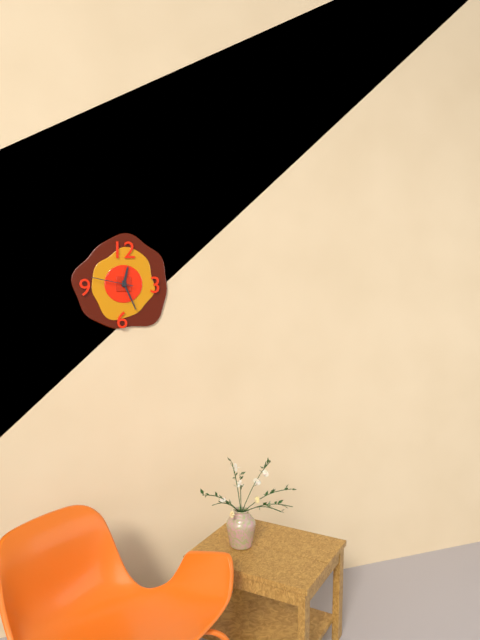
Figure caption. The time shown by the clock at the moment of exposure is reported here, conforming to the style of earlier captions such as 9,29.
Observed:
12,26
